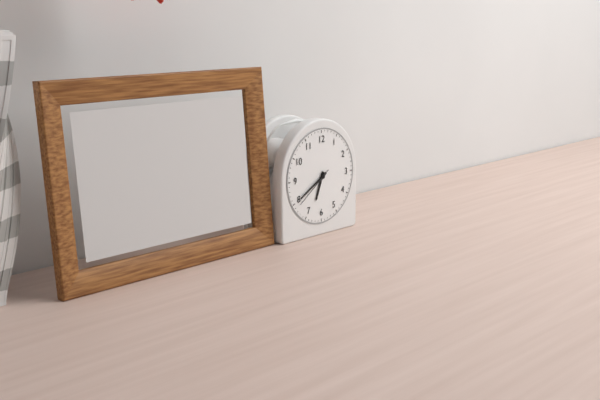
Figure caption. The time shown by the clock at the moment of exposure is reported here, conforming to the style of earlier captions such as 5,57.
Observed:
6,40
